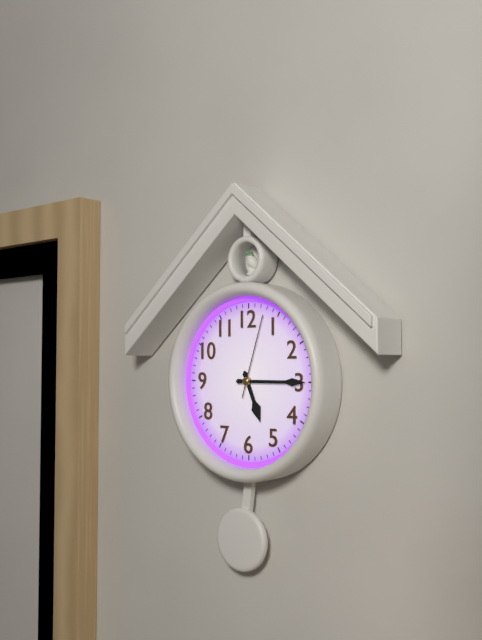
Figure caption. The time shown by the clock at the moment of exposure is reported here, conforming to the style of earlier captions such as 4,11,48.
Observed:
5,15,03
